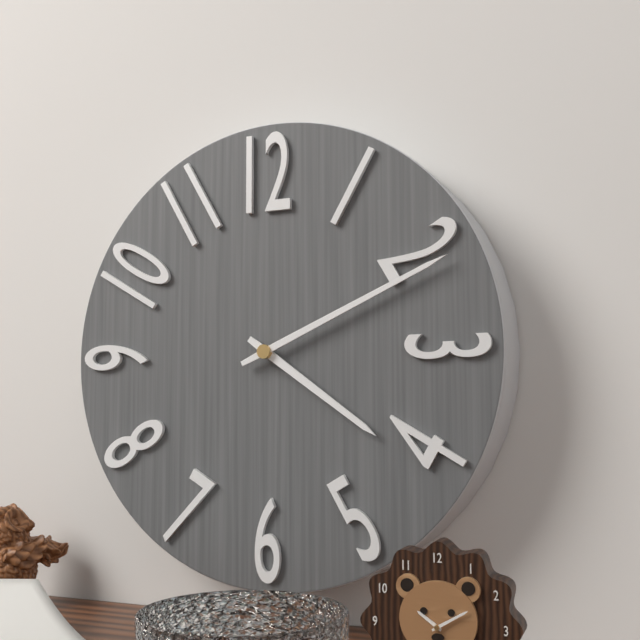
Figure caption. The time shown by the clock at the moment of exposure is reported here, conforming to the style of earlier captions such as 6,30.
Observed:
4,11
